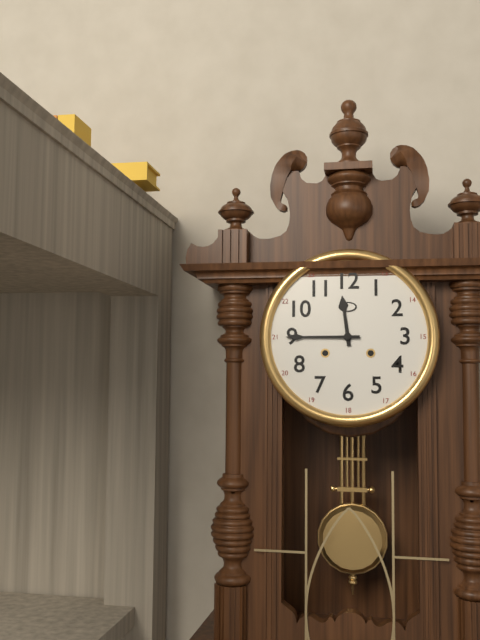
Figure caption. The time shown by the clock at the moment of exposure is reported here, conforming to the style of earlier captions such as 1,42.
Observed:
11,45
